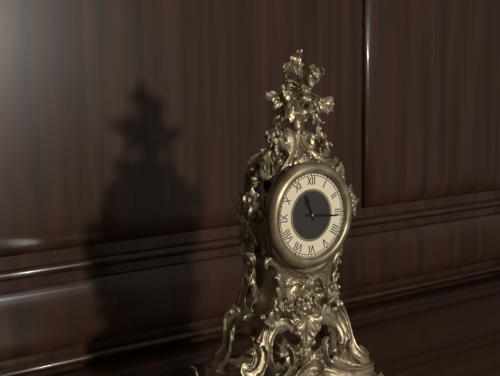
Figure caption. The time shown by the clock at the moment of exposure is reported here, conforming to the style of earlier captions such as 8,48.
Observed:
11,16
